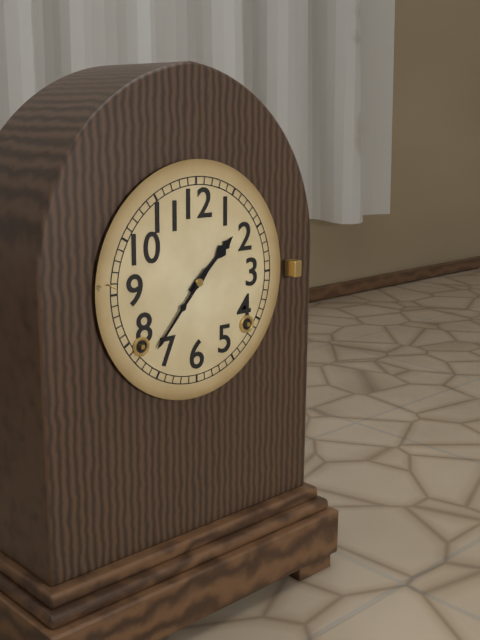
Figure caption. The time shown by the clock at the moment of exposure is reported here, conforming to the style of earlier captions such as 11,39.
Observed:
1,37
